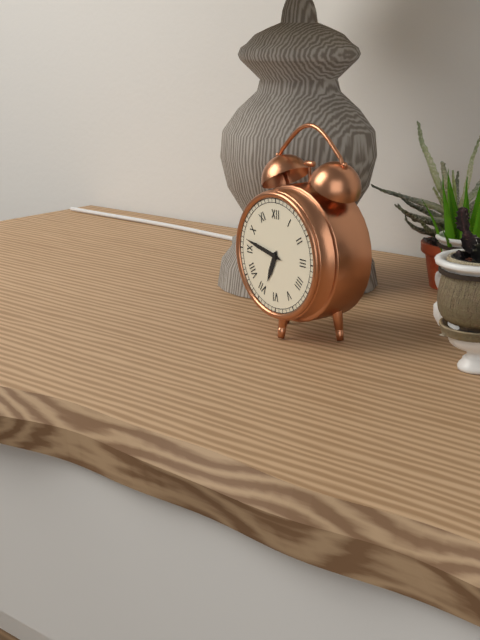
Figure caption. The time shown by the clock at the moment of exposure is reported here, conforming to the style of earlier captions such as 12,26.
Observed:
6,47
